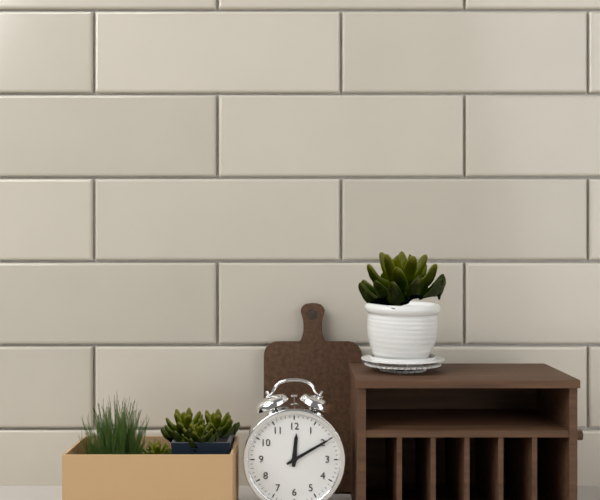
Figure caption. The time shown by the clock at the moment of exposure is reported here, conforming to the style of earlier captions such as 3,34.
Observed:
12,10
